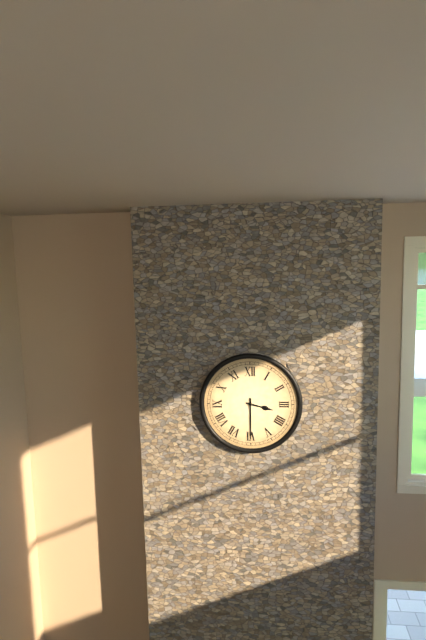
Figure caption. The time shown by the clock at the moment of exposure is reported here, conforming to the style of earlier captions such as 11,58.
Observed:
3,30
